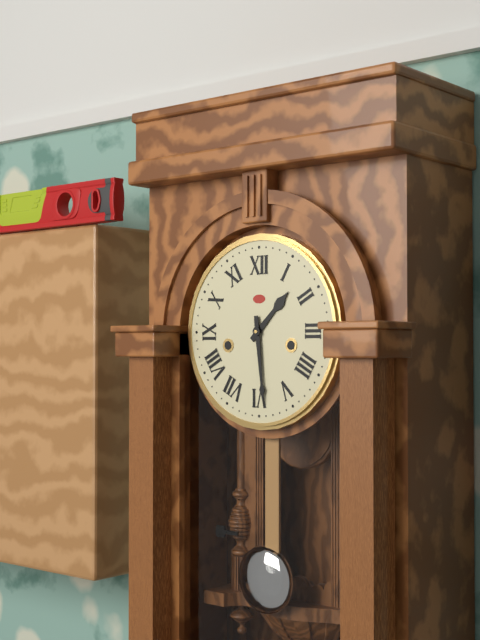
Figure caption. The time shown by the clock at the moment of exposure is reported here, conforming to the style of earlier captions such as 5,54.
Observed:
1,29
